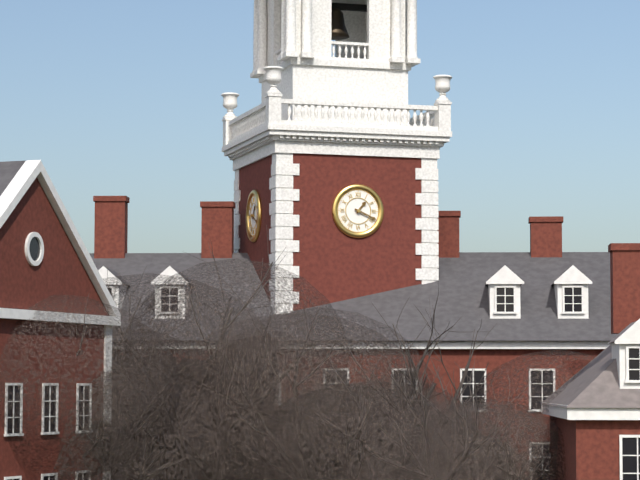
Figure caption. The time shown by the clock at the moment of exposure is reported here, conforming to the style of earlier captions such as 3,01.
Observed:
1,19
